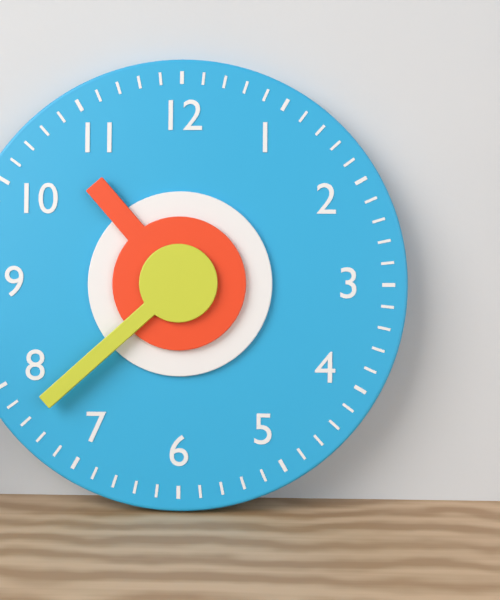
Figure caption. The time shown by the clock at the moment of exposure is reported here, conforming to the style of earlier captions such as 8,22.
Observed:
10,38
